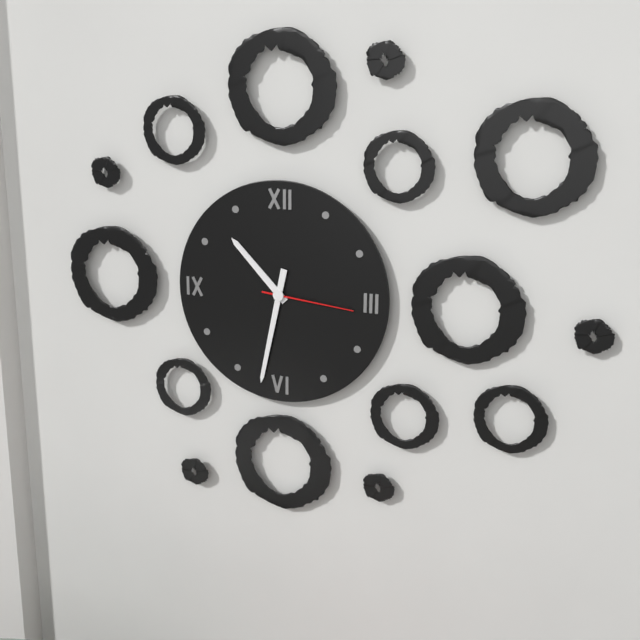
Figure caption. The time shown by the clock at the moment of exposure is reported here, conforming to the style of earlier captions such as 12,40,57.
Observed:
10,32,16
